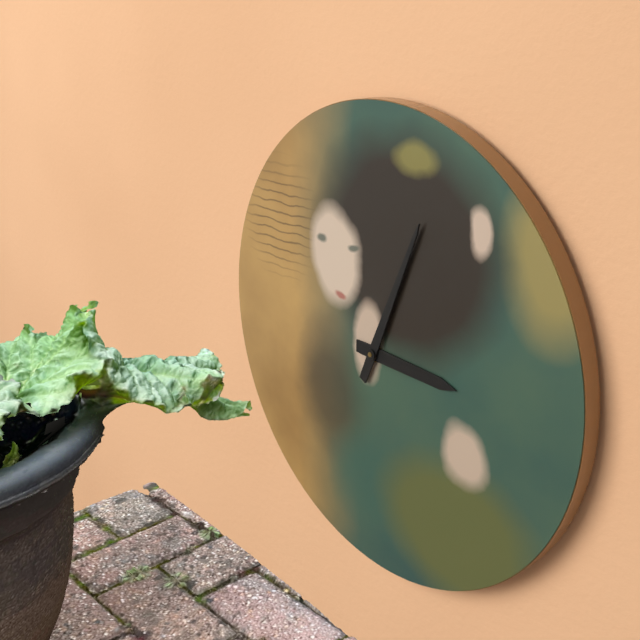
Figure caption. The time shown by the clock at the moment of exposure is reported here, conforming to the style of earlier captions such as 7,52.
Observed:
3,04
